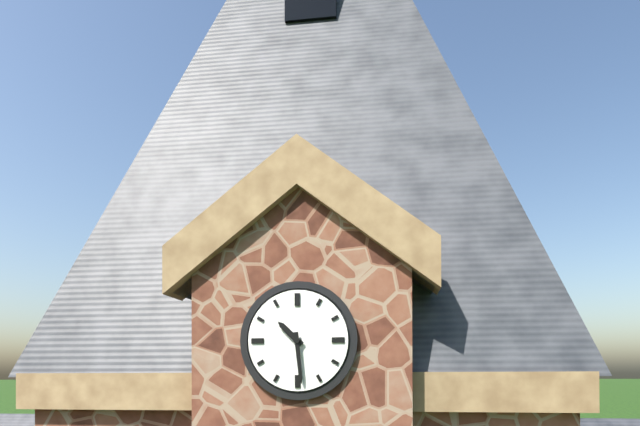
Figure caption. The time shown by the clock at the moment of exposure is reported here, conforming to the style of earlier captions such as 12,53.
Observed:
10,29
